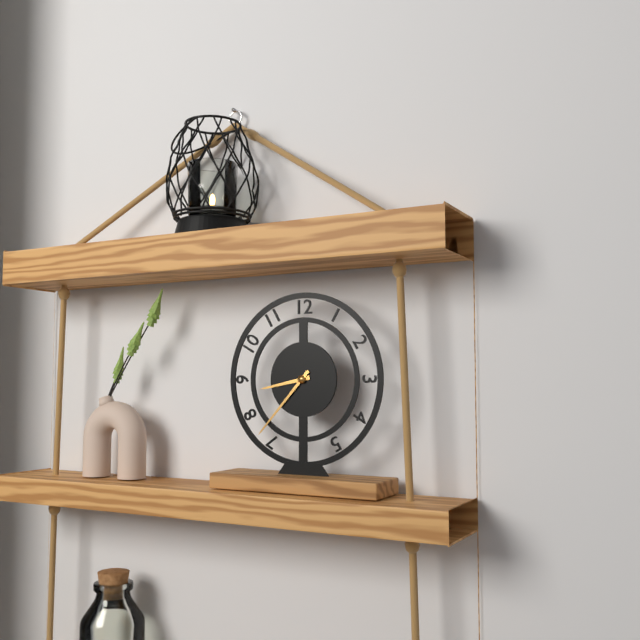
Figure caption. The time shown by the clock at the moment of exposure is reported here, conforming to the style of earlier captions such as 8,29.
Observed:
8,37
